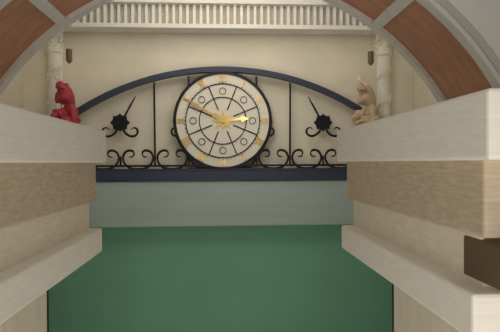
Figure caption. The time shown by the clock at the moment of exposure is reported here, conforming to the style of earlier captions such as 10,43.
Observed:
2,50
